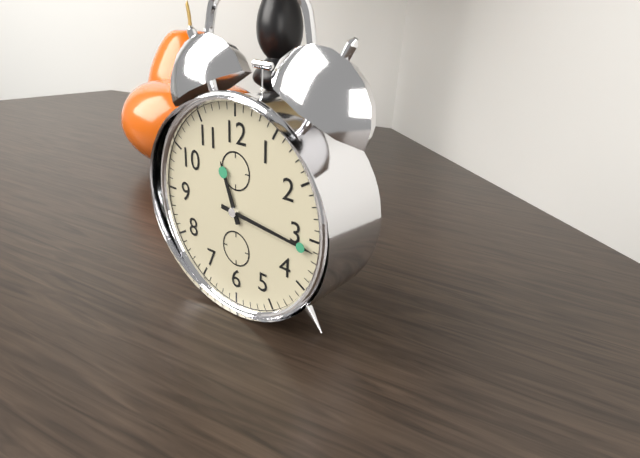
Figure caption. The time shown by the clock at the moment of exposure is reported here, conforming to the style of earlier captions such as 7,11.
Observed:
11,16
